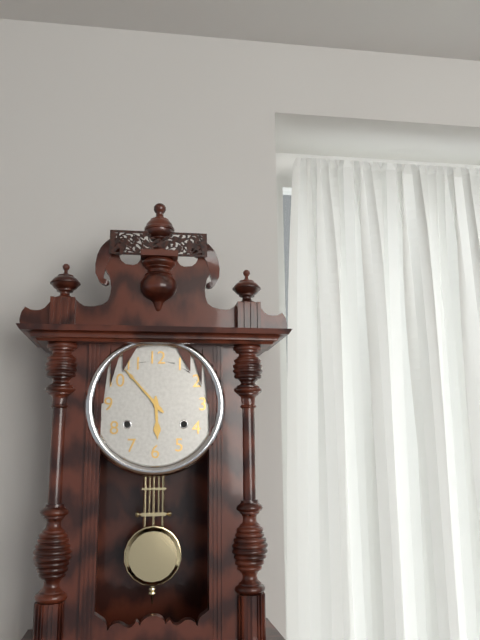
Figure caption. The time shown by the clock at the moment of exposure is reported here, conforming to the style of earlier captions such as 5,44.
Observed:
5,53
